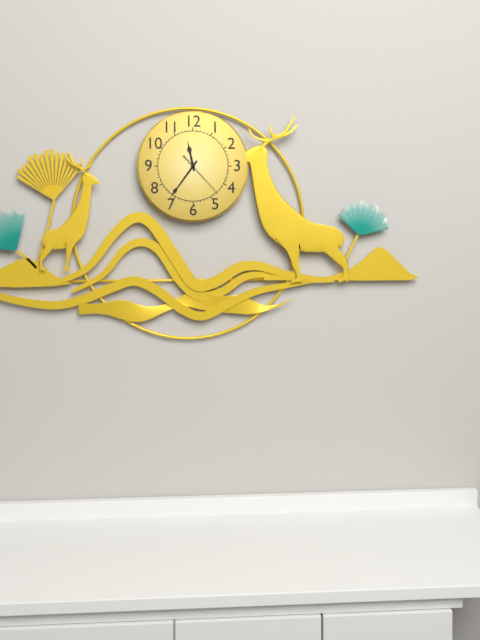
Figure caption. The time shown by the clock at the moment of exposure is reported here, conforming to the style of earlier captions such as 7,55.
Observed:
11,36
